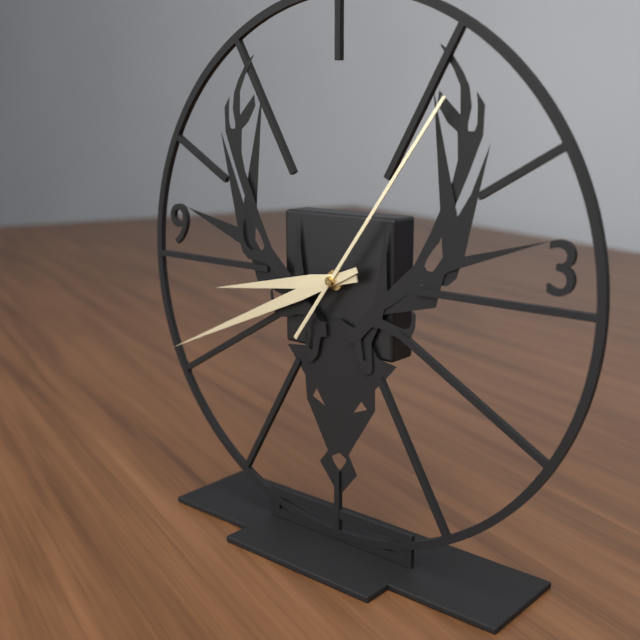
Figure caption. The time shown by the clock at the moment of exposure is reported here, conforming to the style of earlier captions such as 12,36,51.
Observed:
8,41,06
